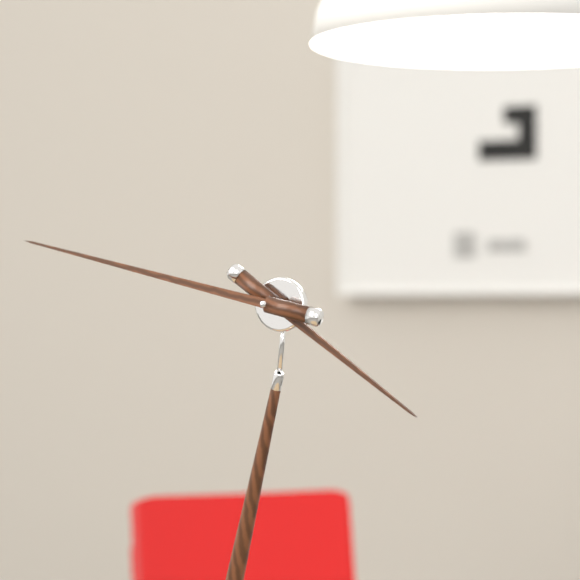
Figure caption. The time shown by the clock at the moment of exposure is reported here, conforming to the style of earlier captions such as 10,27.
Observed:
3,45
